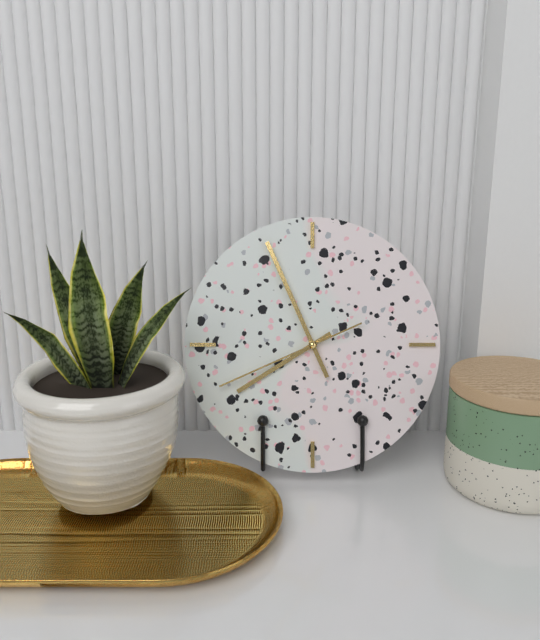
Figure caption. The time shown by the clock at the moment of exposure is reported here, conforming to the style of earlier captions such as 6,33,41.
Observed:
7,56,41
